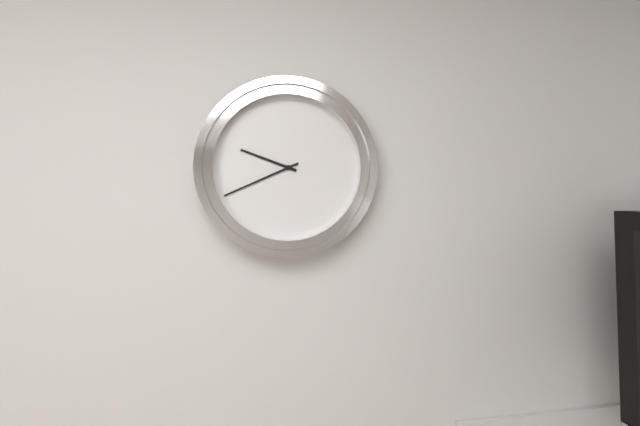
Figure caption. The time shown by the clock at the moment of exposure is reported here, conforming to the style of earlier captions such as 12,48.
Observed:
9,41
